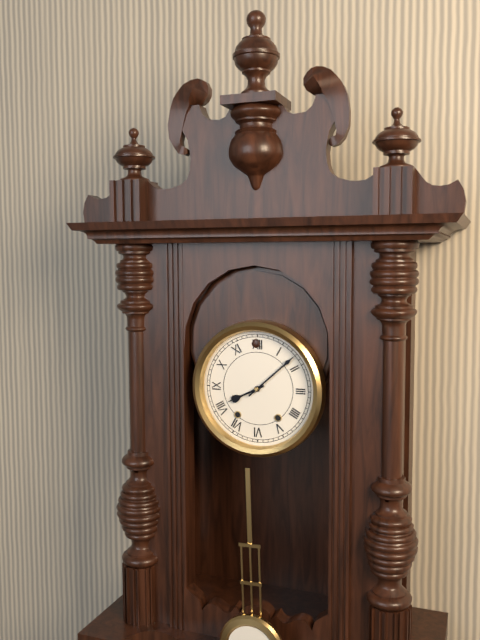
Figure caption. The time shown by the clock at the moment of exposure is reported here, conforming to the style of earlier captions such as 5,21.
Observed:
8,08
